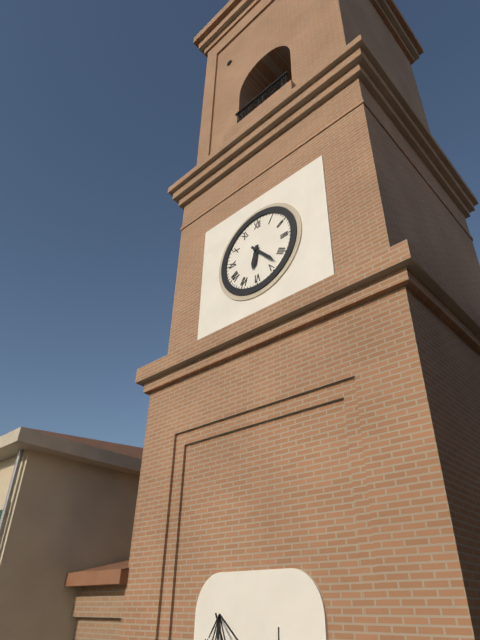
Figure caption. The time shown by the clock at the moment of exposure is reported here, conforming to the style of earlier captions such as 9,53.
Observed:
6,23
